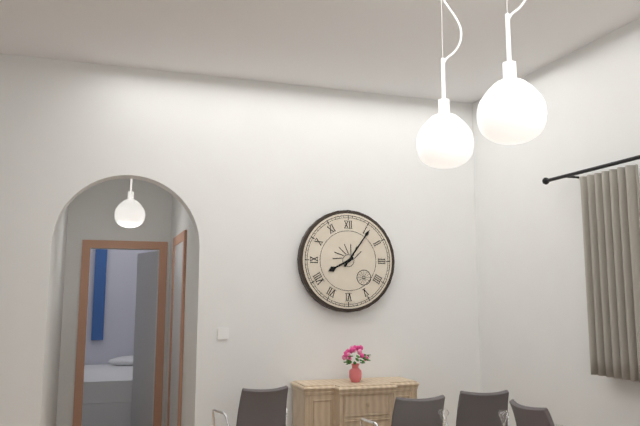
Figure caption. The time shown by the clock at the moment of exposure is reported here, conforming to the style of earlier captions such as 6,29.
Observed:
8,06
